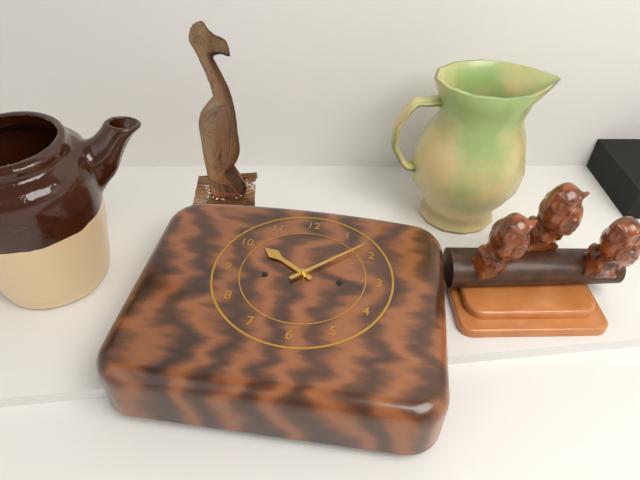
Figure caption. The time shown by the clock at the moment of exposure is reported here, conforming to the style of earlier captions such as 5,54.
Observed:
10,08
